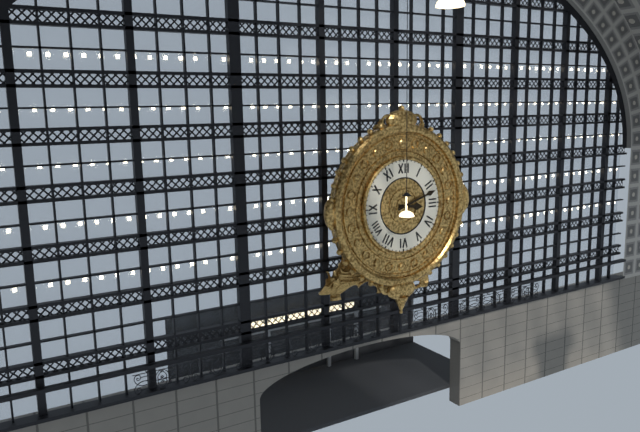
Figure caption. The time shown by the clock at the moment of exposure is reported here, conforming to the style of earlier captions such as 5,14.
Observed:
3,12
